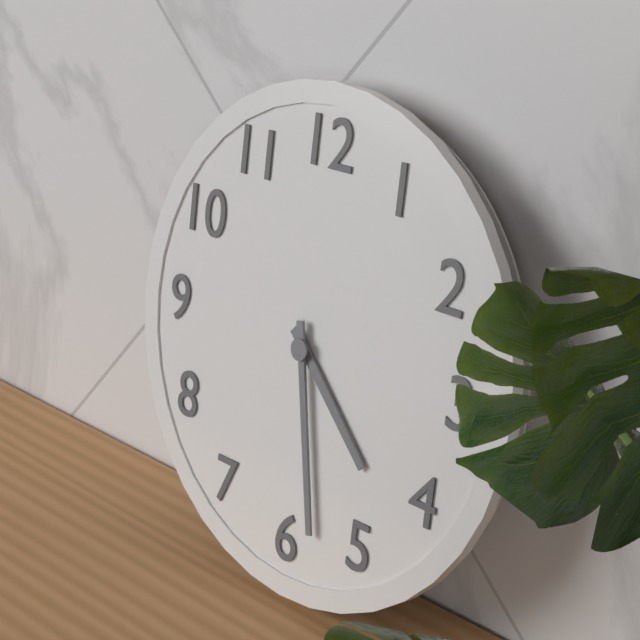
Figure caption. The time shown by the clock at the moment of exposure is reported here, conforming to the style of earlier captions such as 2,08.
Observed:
4,28
